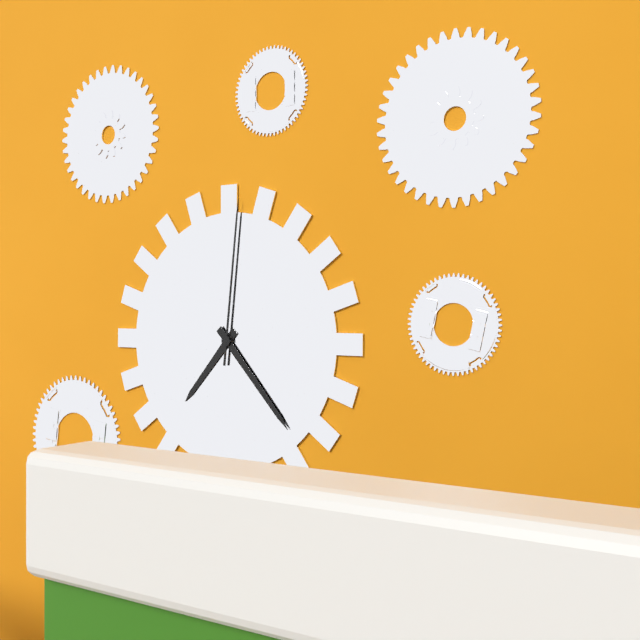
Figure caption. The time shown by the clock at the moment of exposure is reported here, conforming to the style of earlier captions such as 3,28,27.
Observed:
7,23,01
